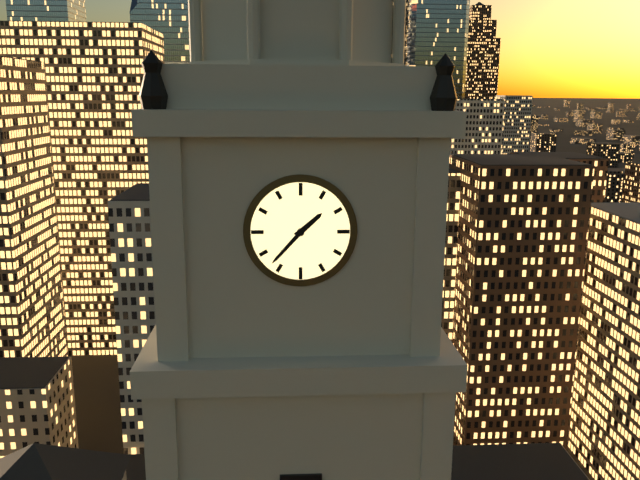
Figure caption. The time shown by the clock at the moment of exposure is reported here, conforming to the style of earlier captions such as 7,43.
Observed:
1,37
